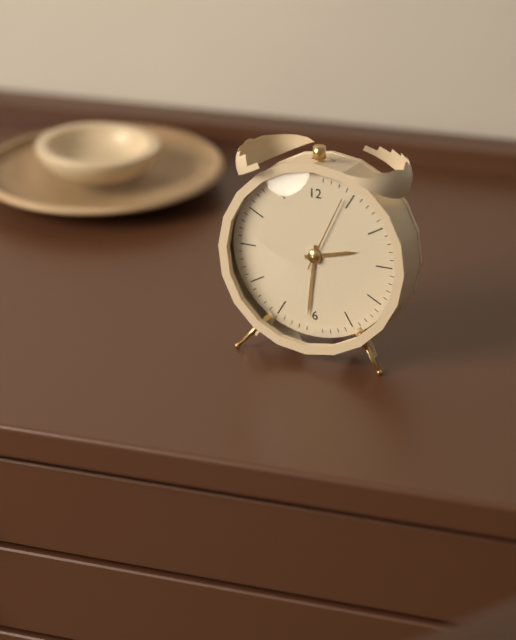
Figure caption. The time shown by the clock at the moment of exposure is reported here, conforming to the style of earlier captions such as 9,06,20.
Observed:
2,31,04
